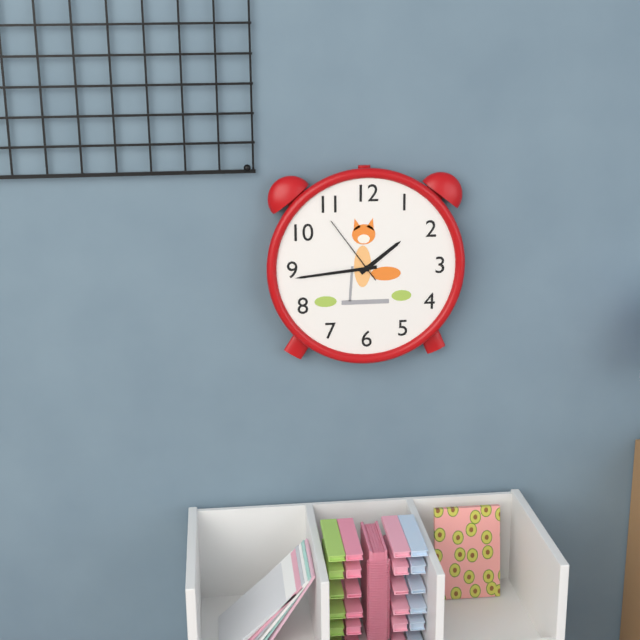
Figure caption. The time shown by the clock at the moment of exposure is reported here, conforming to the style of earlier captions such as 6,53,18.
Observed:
1,44,54
